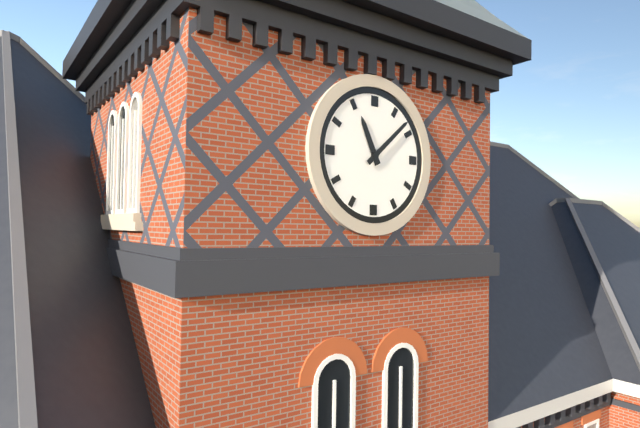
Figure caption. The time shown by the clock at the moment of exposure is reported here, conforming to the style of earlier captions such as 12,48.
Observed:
11,08
